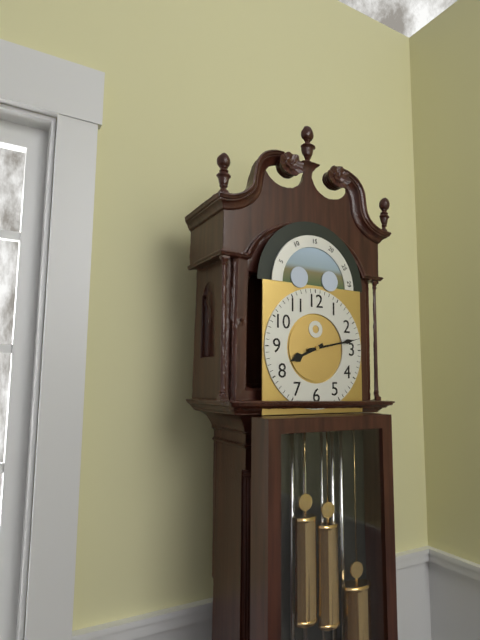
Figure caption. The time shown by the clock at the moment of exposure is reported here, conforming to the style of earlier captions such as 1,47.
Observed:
8,13
